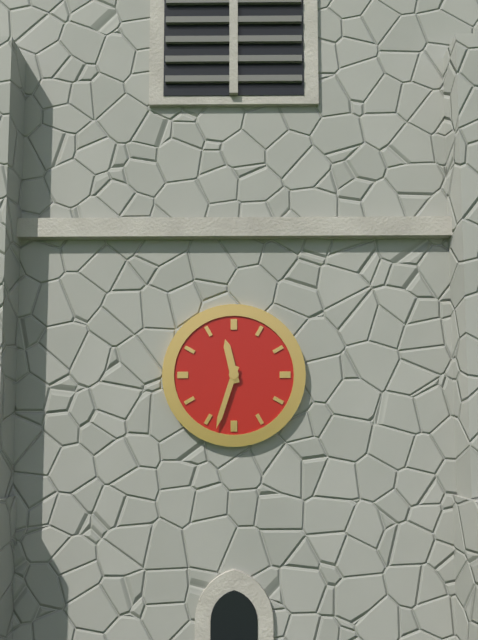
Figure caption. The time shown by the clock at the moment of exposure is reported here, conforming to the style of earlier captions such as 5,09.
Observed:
11,33
